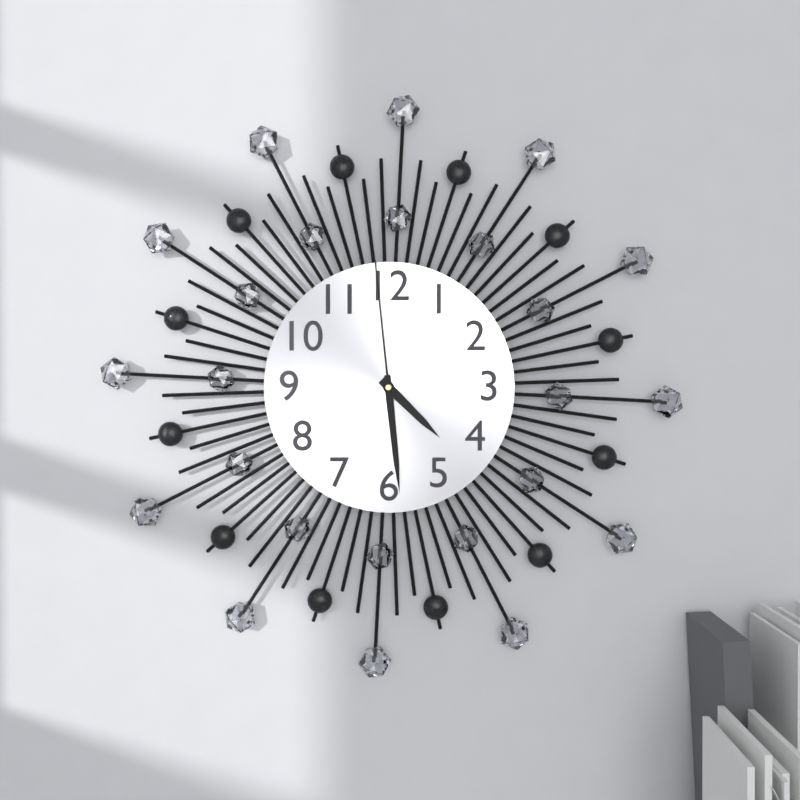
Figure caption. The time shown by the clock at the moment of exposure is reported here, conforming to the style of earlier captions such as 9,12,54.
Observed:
4,29,59
